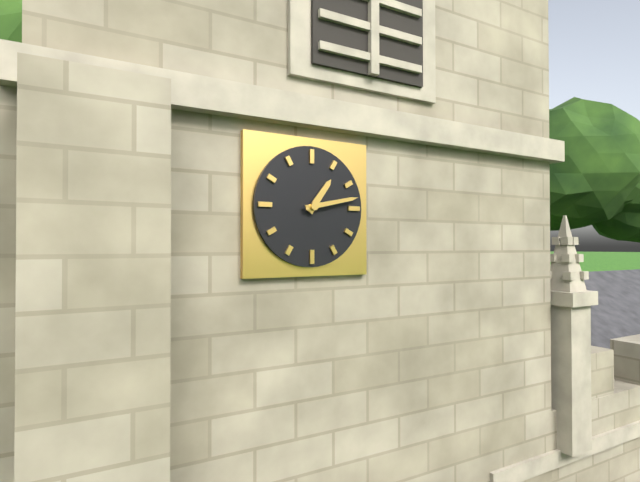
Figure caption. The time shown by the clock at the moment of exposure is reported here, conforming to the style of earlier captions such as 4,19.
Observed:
1,13
